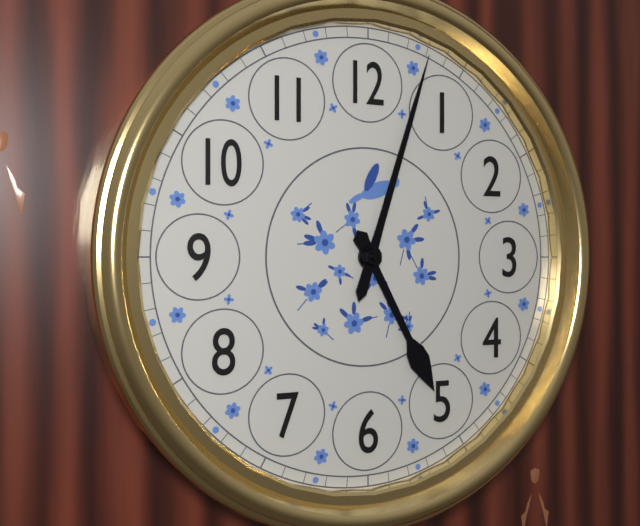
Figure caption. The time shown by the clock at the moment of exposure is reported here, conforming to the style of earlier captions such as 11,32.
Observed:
5,03
